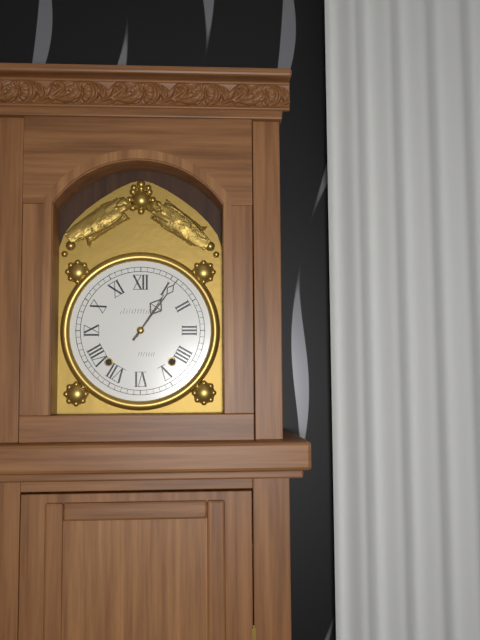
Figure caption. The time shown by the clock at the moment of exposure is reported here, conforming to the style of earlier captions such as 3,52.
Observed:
1,06
